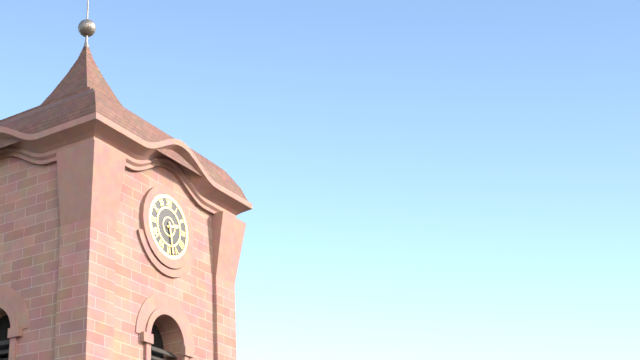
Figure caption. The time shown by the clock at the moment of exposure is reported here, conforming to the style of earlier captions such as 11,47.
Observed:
2,28
